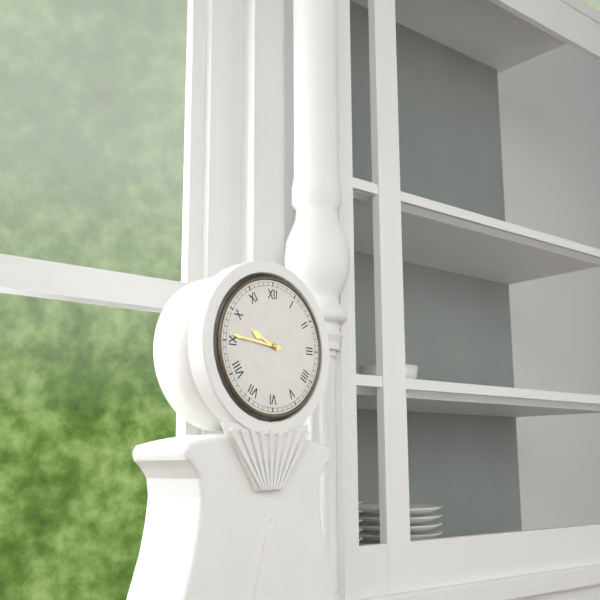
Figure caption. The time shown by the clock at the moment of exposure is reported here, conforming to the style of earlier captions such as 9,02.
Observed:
9,46
